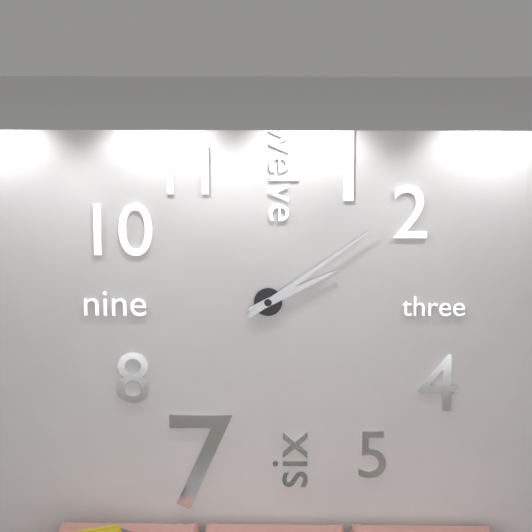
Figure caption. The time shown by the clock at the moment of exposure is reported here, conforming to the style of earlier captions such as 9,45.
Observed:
2,09
